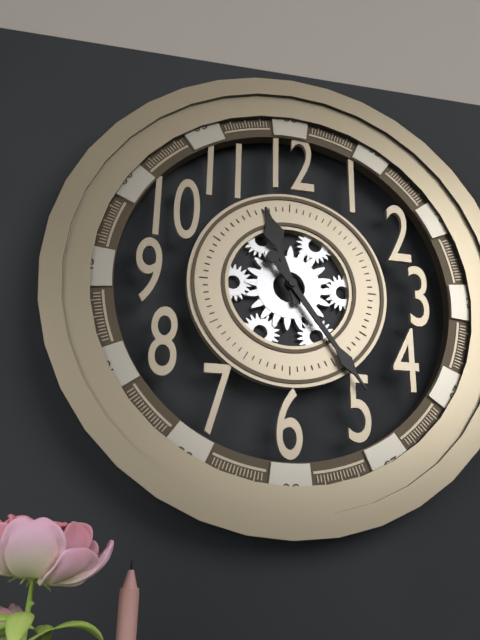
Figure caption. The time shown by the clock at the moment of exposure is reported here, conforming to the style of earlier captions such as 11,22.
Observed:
11,24
